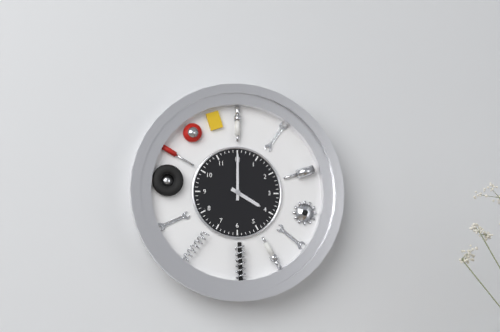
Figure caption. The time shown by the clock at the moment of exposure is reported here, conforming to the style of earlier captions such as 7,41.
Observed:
4,00
